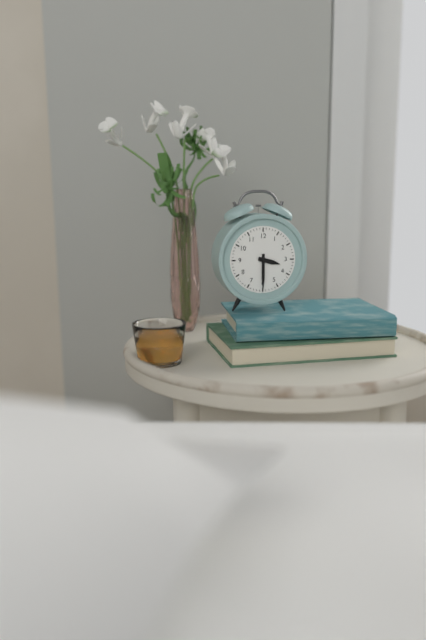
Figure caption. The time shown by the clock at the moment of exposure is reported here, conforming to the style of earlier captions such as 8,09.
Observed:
3,30
